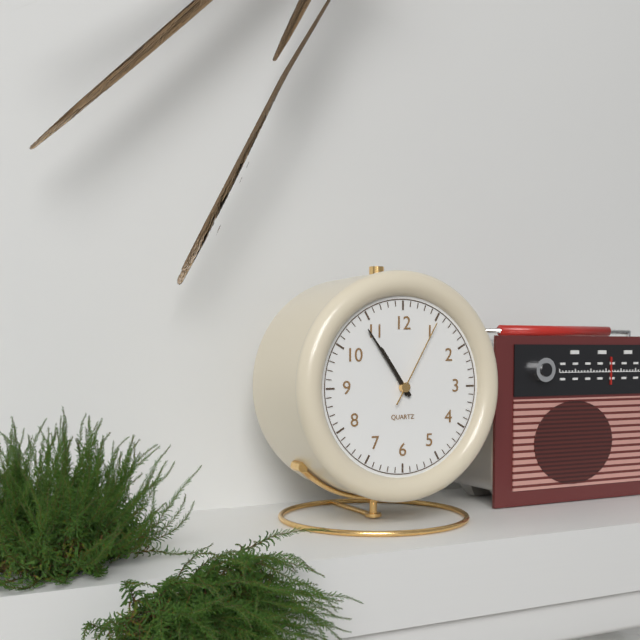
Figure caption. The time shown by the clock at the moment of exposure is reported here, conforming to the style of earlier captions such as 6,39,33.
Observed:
10,54,05
